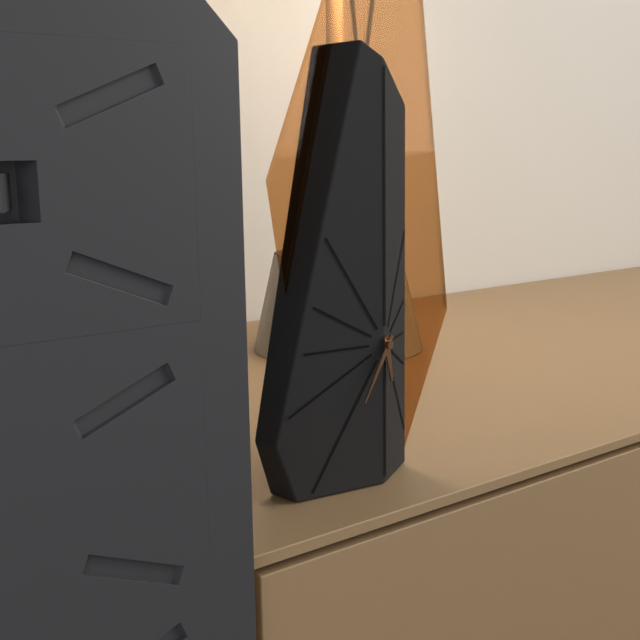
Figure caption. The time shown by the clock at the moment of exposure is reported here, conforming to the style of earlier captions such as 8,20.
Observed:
5,36
